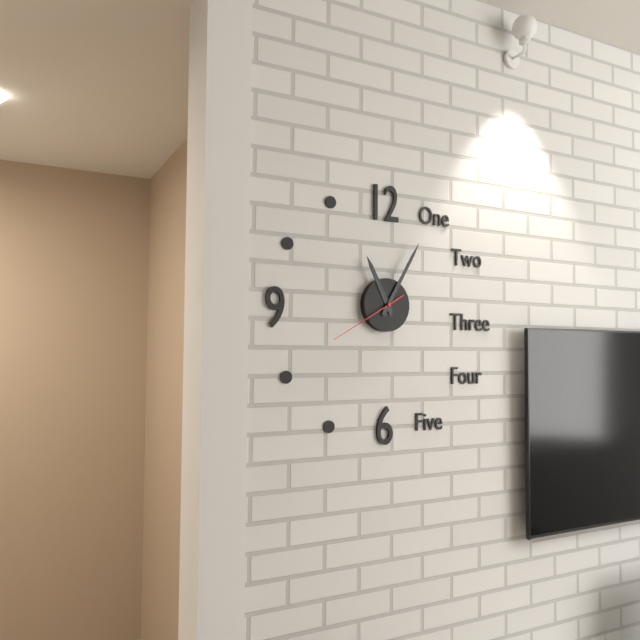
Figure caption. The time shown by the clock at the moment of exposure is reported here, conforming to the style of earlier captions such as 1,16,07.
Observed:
11,05,40
